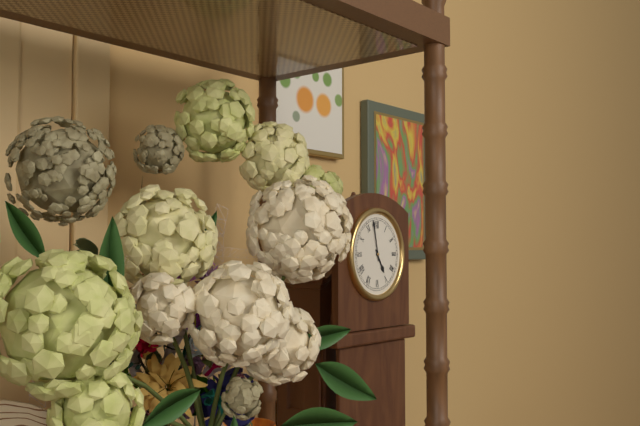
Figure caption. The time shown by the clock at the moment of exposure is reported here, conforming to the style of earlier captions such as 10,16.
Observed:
4,58
